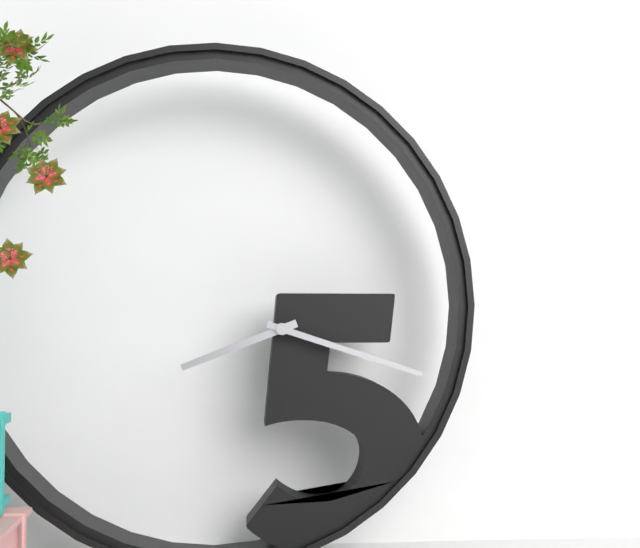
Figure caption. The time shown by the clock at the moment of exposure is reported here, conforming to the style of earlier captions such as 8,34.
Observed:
8,18
